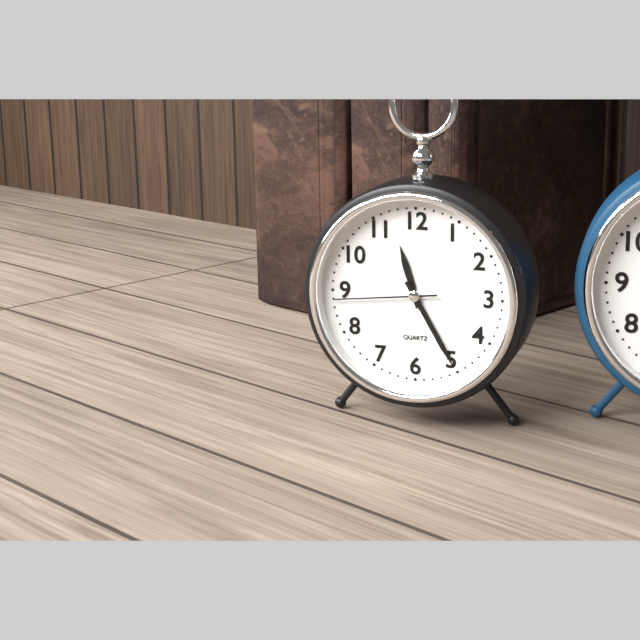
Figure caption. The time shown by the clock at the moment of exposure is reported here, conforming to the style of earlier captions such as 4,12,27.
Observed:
11,25,44
